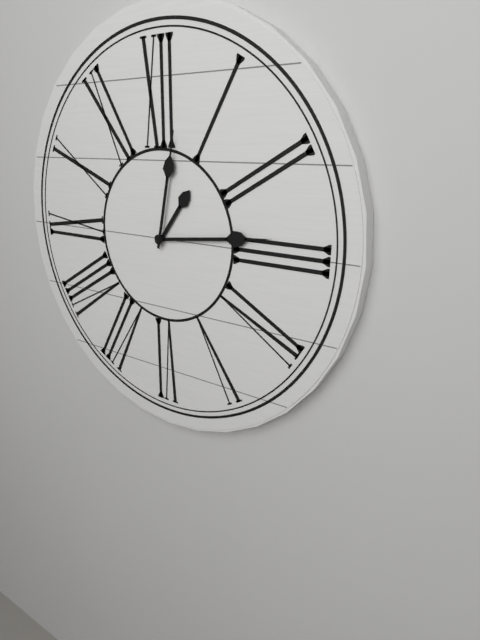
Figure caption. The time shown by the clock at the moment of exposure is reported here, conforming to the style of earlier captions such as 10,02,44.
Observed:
1,14,02
